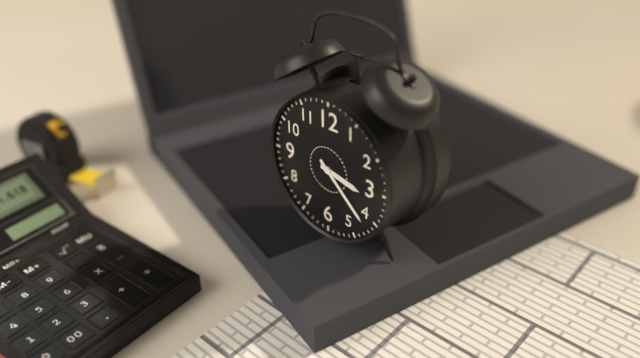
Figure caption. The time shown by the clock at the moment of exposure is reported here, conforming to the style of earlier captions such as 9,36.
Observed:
3,22
